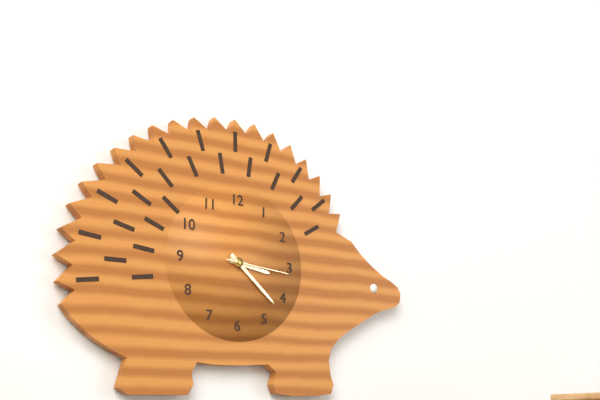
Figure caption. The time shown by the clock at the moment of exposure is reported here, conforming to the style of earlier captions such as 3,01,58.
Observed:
3,22,16
